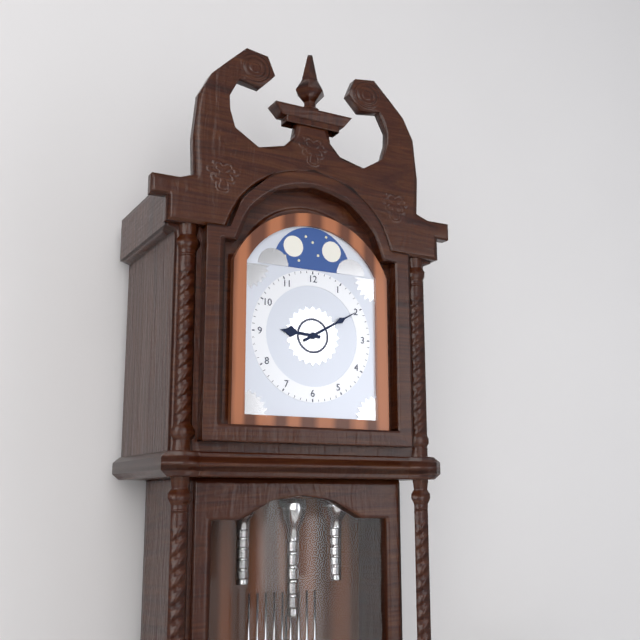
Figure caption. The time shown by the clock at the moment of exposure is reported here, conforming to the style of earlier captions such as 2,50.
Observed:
9,10
